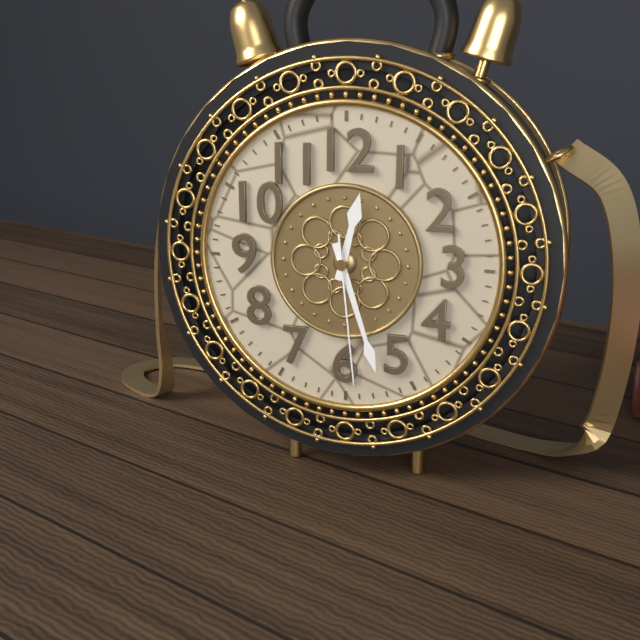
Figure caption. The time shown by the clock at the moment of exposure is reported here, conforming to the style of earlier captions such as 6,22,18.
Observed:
12,27,29
